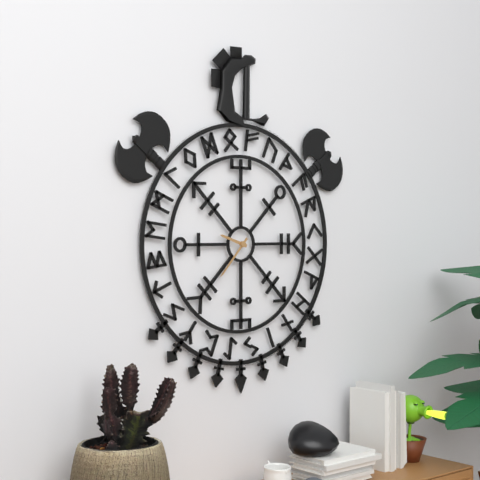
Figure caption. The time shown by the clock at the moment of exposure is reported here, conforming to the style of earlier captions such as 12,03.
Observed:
9,37
